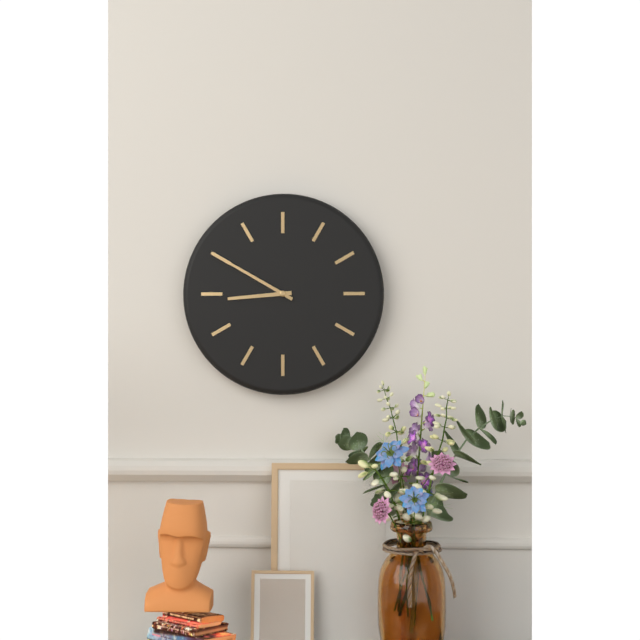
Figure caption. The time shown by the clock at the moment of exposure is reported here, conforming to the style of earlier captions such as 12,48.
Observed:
8,50
